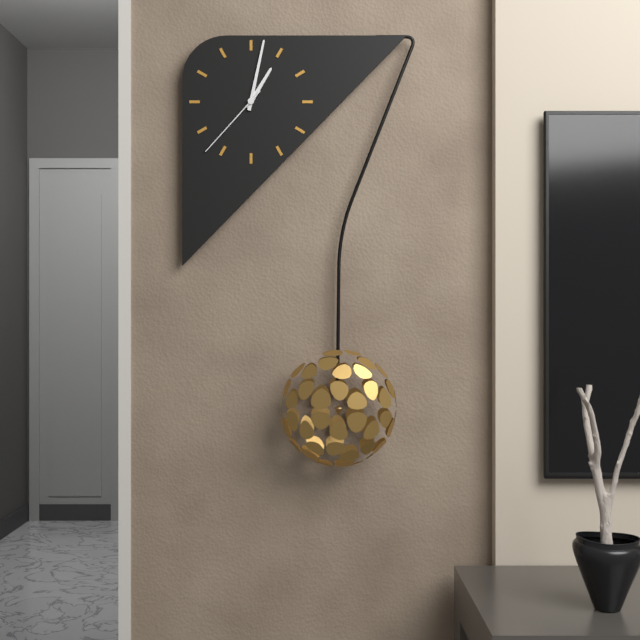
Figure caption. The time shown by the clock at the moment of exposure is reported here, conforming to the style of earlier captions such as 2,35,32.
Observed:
1,02,37
